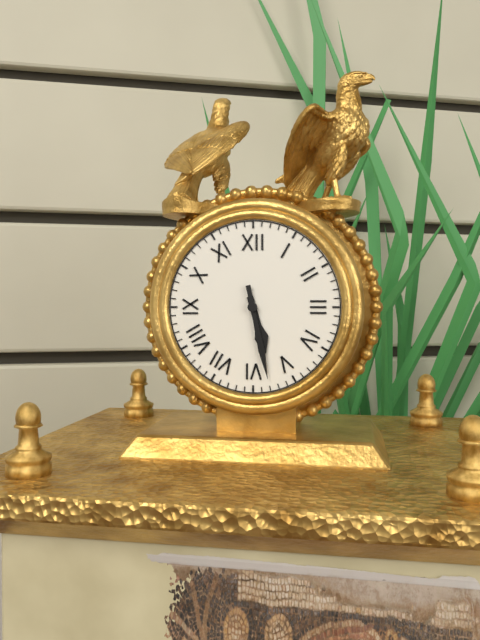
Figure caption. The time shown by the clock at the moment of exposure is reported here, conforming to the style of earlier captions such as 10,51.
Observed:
5,28
